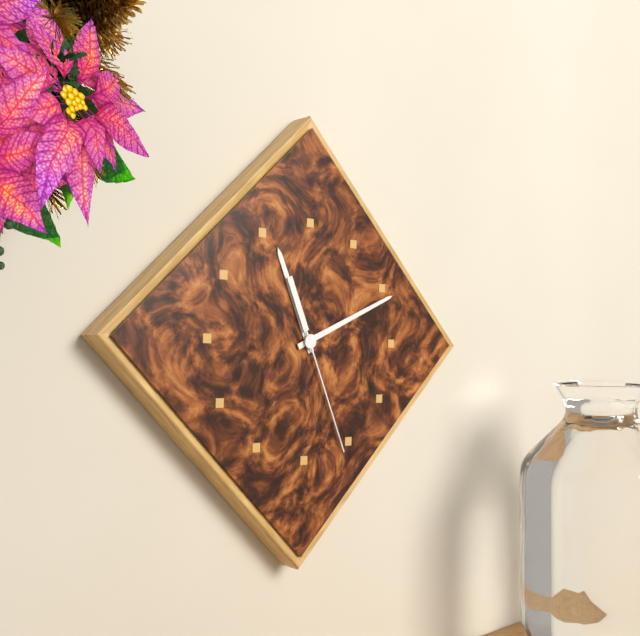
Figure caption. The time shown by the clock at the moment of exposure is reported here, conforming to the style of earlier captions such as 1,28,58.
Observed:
11,11,26
